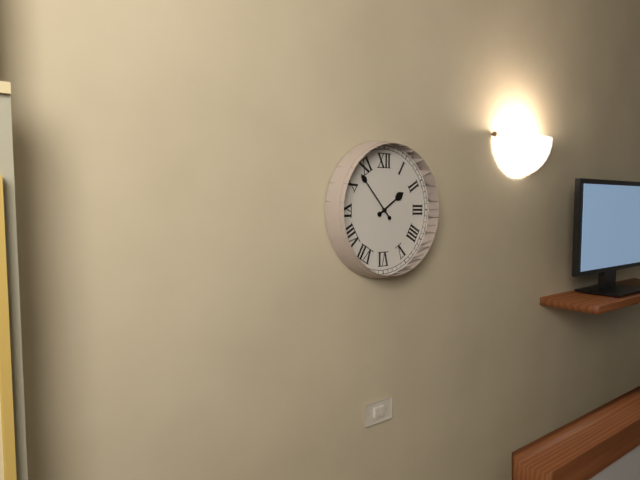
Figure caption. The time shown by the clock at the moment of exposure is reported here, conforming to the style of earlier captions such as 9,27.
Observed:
1,53
